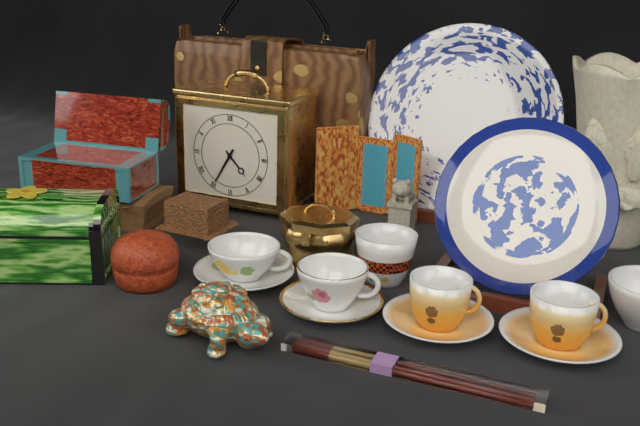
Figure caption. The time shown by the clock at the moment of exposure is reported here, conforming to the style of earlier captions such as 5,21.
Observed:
4,35
